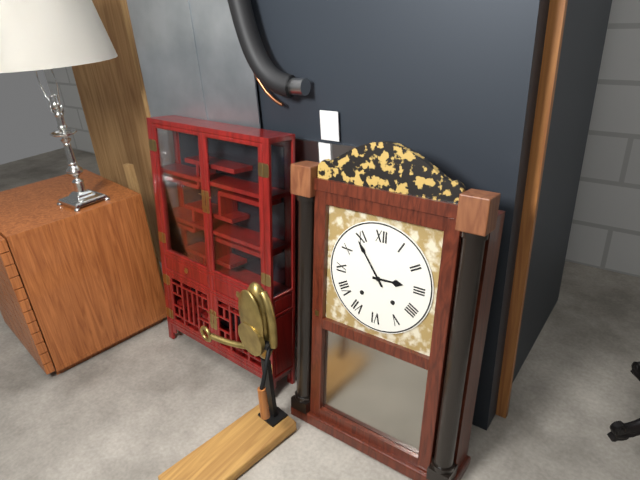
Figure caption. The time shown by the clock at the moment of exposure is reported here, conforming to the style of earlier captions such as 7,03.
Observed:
2,54
